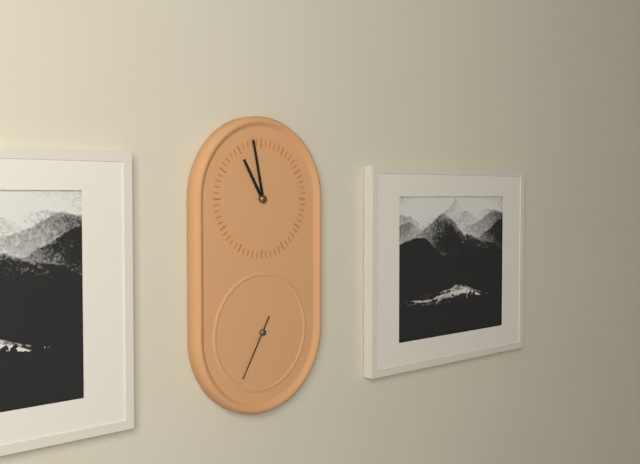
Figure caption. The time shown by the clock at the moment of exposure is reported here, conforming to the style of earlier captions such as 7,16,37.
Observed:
10,58,35
